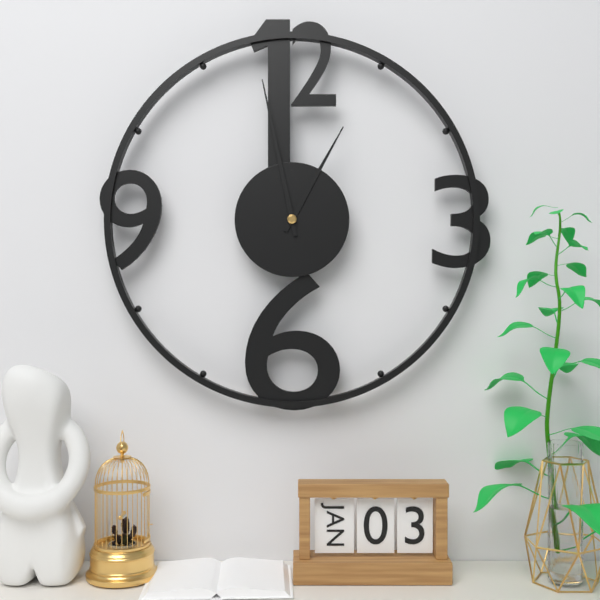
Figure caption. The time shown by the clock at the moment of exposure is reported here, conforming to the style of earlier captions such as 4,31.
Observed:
12,58
